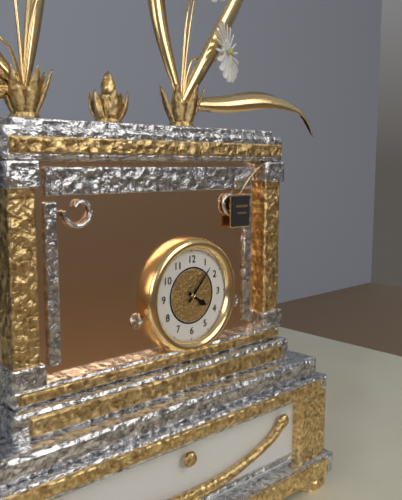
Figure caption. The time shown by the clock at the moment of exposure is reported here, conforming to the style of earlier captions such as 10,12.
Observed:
4,07
